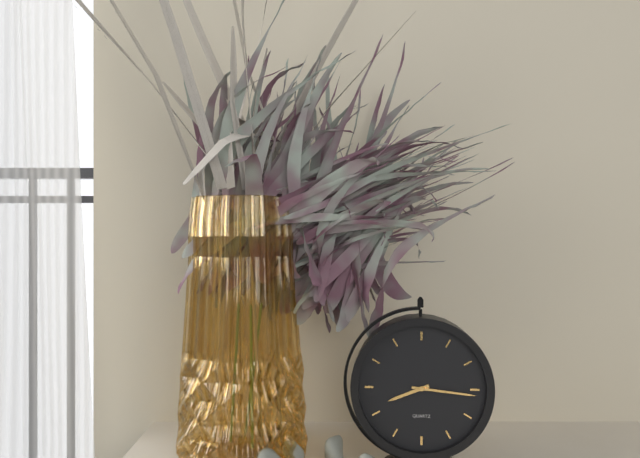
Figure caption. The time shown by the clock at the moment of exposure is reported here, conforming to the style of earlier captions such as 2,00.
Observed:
8,16
